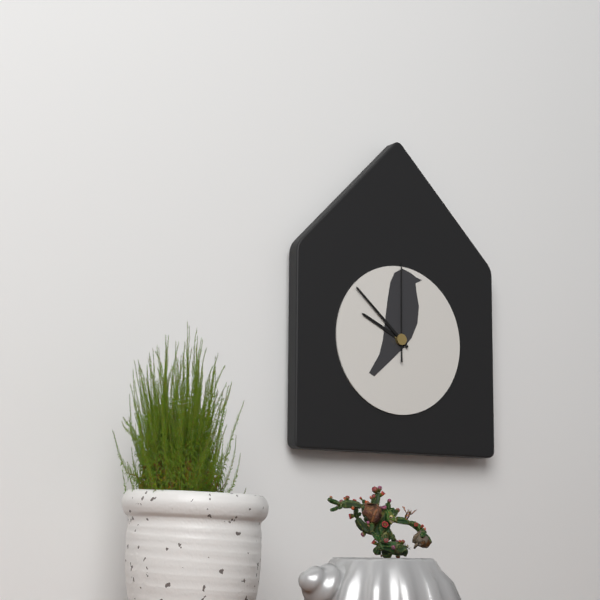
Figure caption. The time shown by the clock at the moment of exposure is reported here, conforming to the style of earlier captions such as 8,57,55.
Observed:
9,52,00
